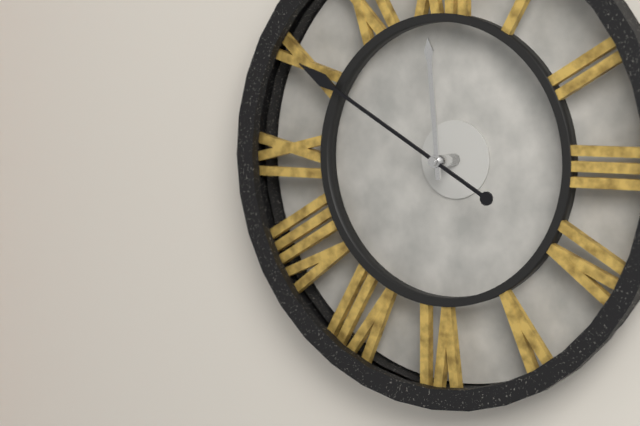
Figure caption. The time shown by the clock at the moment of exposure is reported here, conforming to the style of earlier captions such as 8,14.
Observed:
11,50
